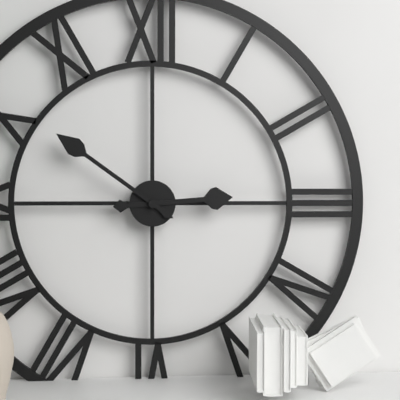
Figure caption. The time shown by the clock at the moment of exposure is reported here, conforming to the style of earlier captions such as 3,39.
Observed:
2,51
